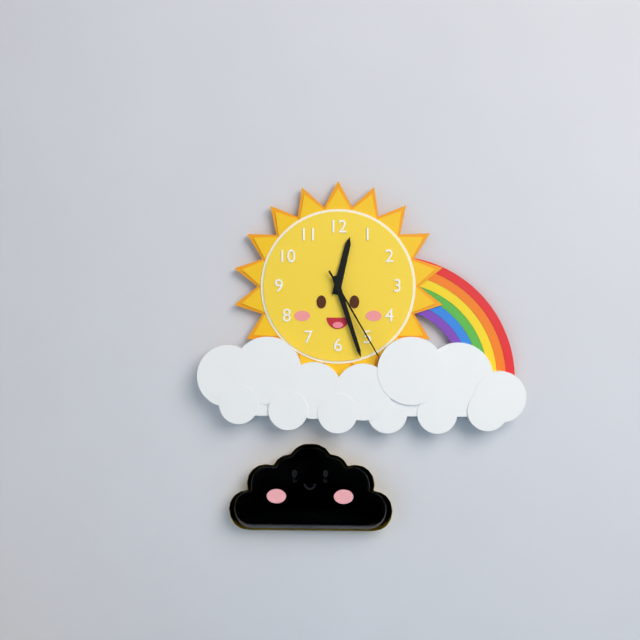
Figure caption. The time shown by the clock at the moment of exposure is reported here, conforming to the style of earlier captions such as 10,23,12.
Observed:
12,27,25
